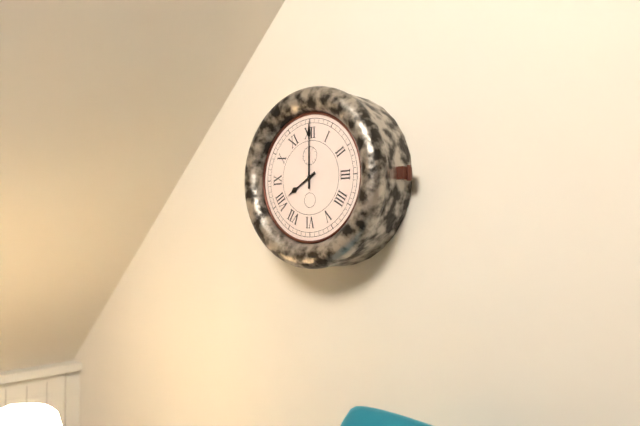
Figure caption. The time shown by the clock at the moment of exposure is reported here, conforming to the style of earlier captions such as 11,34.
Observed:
8,00
